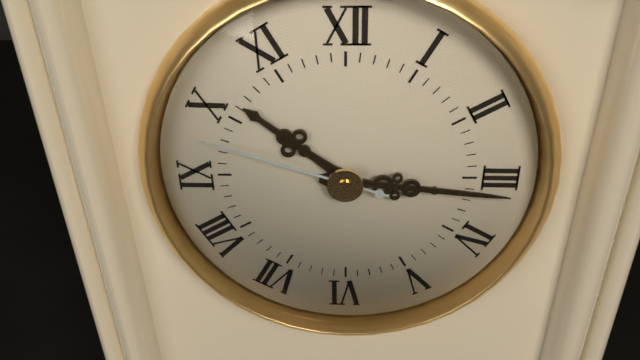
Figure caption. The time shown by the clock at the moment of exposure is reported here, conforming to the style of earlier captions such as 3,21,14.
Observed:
10,16,48
